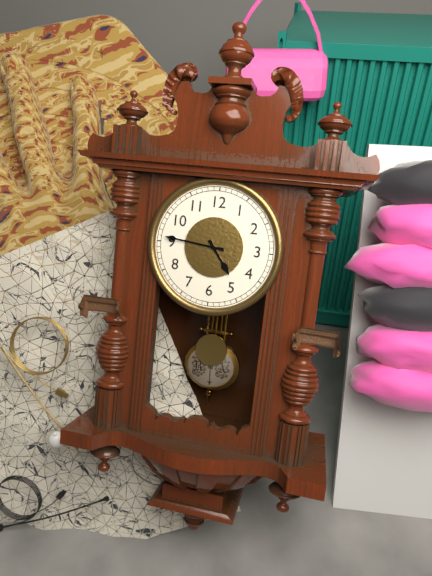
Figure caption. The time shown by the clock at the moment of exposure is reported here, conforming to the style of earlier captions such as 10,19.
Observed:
4,46
